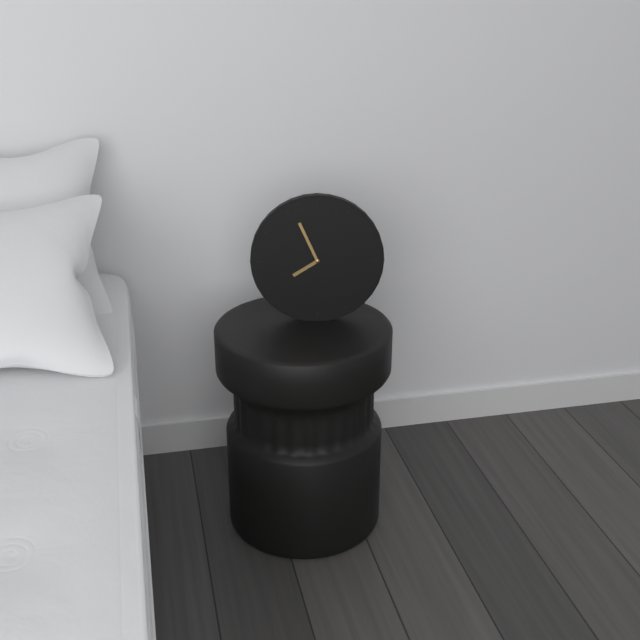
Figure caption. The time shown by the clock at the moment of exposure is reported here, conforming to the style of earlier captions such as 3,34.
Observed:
7,56
